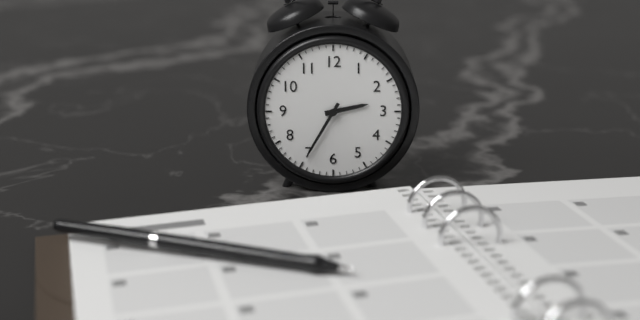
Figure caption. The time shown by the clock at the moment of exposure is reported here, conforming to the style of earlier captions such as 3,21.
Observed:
2,35
